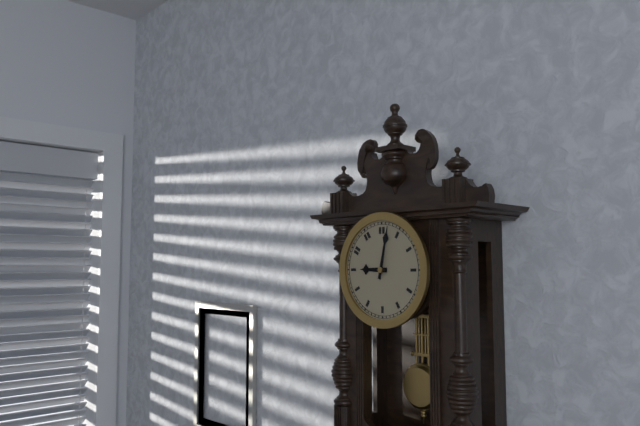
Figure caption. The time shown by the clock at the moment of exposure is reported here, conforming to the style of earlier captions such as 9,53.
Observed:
9,02
